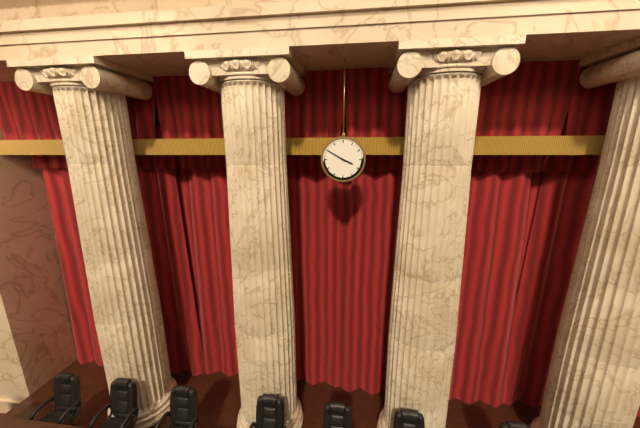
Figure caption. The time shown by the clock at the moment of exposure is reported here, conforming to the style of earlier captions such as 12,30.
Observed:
3,50
